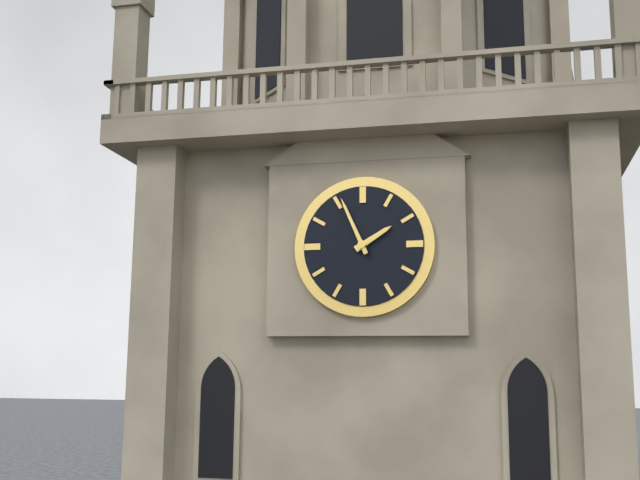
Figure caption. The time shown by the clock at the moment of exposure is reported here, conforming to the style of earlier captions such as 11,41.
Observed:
1,56
